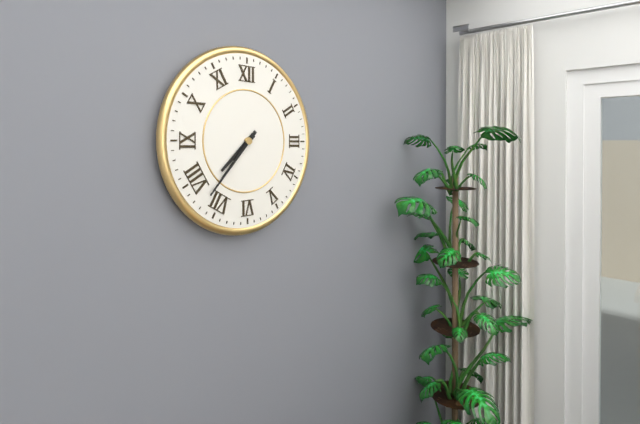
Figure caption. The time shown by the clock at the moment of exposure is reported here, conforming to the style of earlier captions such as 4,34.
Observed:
7,37
